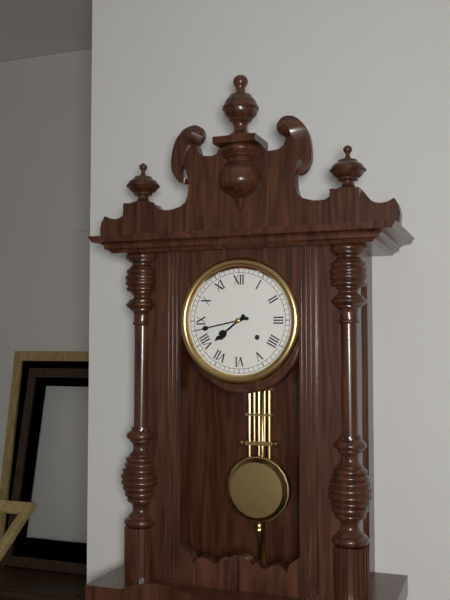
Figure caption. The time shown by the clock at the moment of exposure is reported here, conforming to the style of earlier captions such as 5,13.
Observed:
7,43
